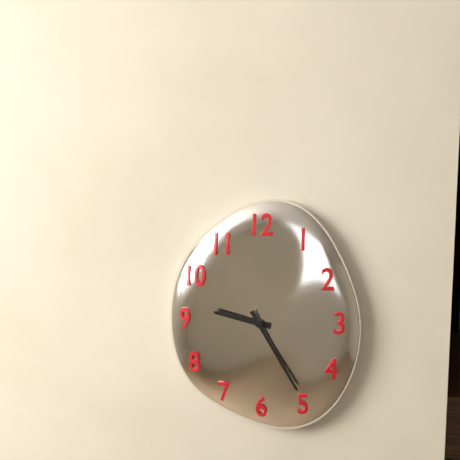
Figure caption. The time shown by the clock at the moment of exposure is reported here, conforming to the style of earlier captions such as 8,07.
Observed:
9,25
